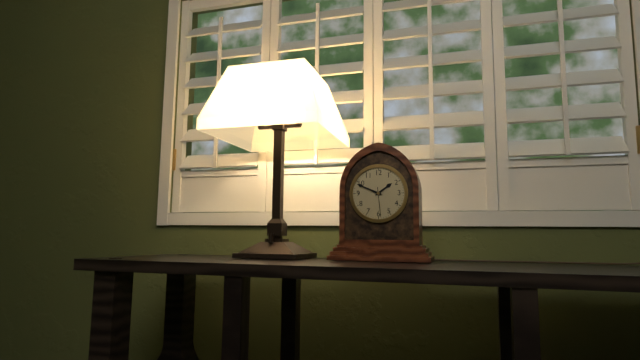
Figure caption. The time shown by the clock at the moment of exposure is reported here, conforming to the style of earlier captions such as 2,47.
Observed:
1,49
